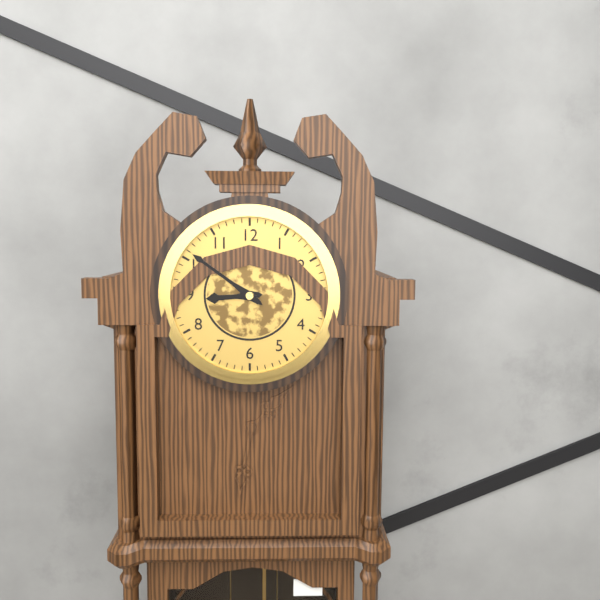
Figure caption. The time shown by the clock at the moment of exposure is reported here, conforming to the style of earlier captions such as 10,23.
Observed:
8,51
